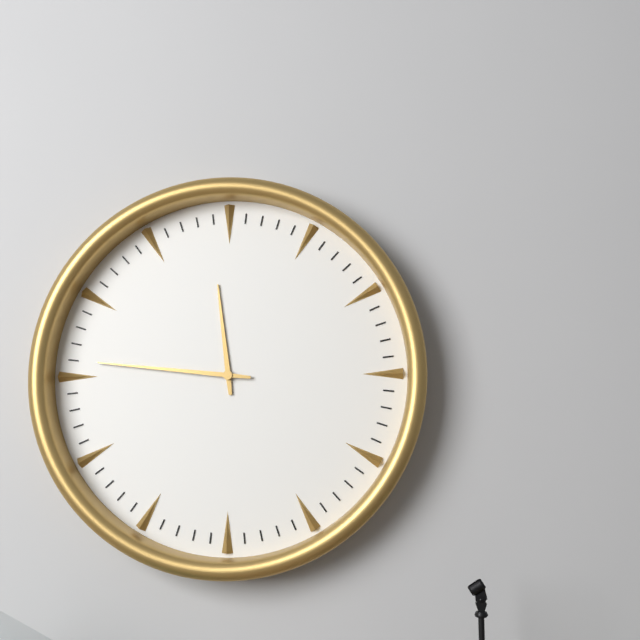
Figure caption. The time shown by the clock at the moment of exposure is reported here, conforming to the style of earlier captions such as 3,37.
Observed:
11,46
